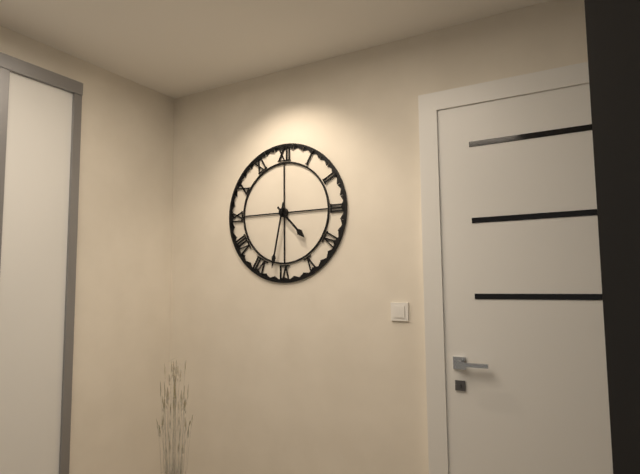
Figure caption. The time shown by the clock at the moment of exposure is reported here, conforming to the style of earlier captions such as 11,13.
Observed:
4,32
